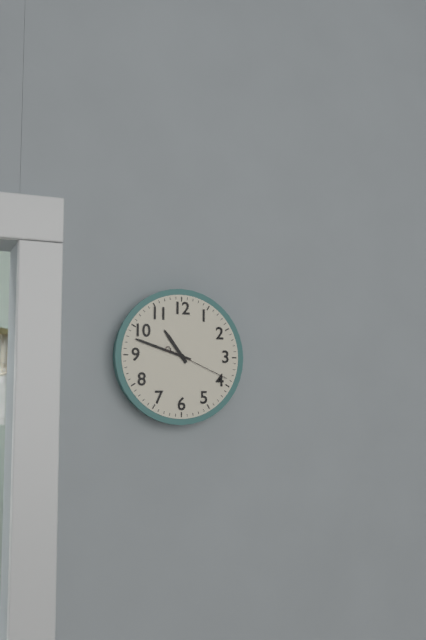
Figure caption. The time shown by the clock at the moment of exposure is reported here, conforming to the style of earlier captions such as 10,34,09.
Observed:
10,48,19
